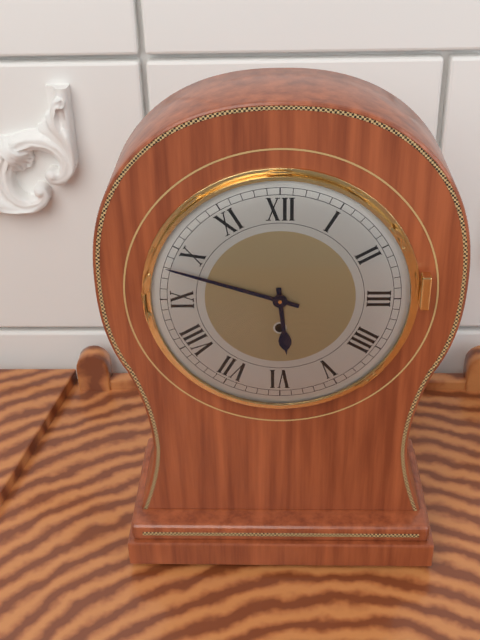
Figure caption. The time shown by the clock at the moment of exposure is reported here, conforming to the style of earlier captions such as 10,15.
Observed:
5,48
